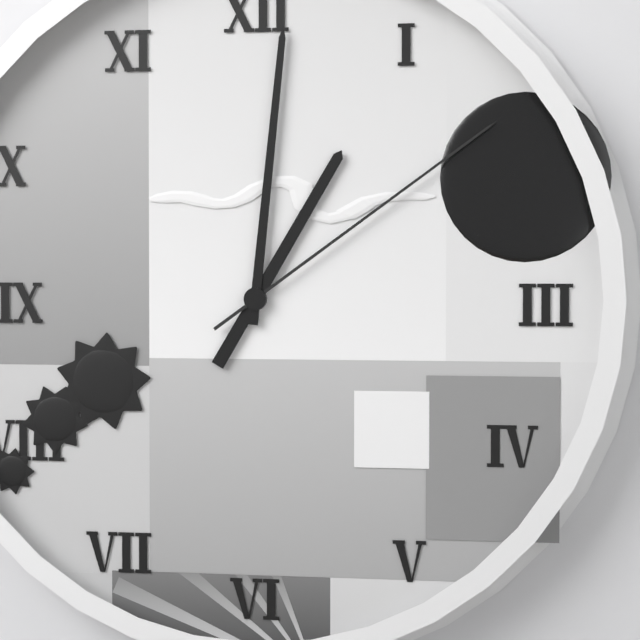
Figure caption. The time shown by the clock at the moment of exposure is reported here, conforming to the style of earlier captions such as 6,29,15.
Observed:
1,01,09
